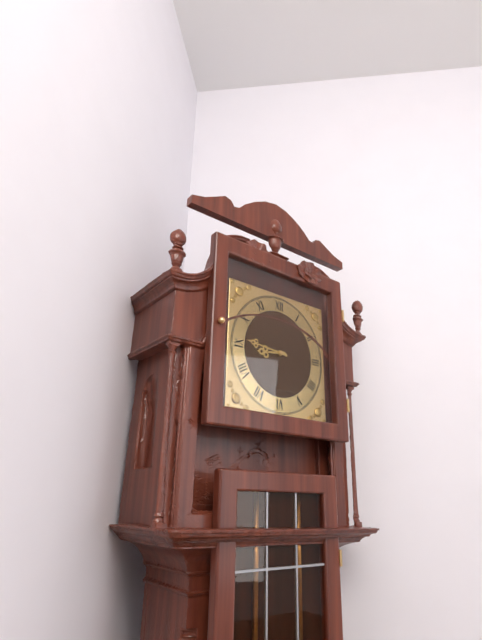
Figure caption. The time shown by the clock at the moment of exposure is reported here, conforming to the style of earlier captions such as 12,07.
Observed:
8,46
